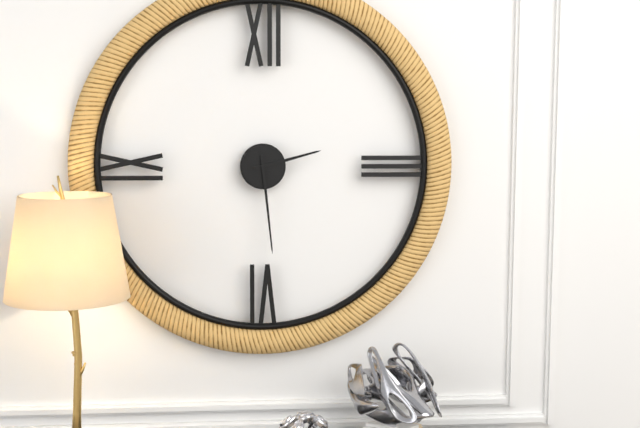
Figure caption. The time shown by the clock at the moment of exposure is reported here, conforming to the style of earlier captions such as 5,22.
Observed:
2,29
